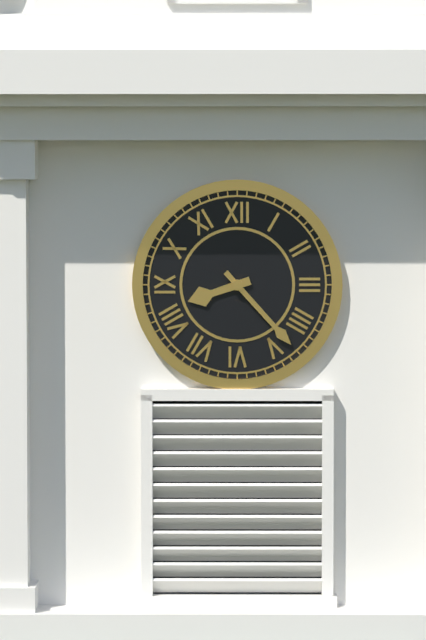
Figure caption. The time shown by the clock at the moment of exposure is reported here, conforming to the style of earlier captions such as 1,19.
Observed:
8,23
